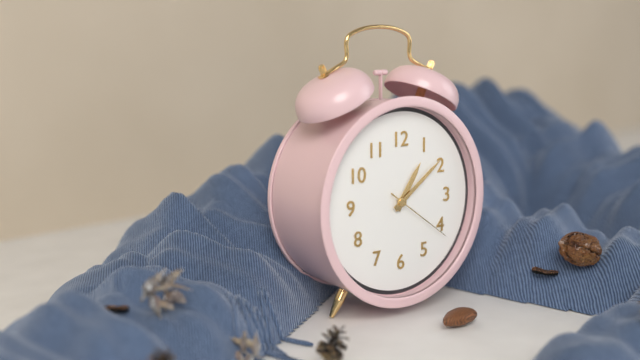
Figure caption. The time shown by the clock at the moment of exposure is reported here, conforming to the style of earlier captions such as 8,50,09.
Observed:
1,09,21
